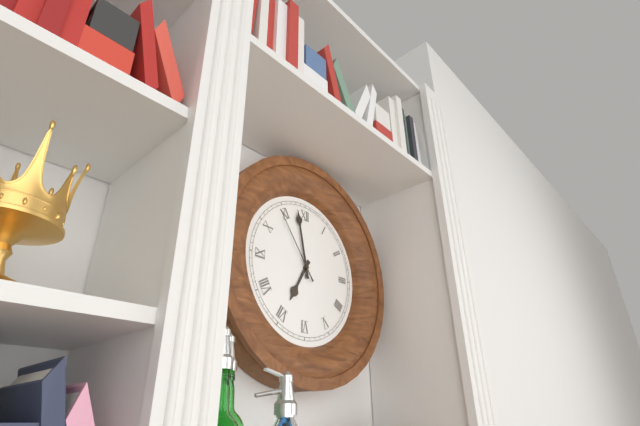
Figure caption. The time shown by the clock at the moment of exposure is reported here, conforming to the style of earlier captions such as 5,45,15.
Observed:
6,58,54
